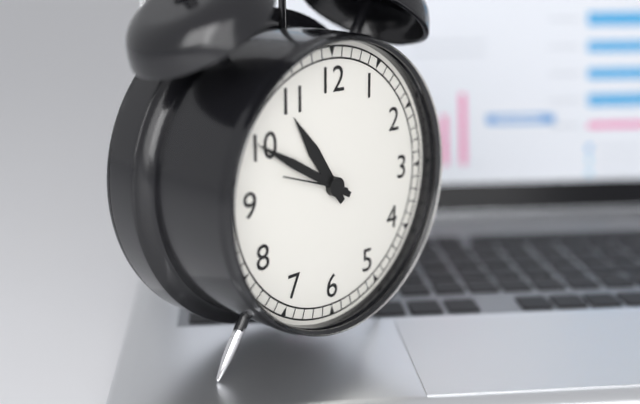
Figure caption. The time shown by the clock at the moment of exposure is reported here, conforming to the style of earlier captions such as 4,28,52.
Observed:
10,50,48
